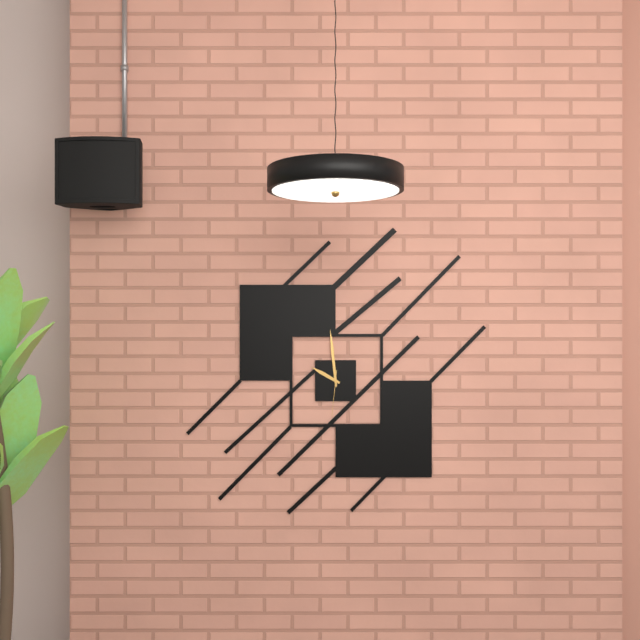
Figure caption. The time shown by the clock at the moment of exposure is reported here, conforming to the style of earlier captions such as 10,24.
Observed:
9,59
